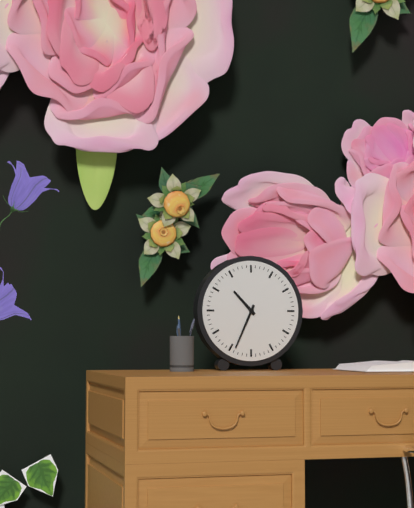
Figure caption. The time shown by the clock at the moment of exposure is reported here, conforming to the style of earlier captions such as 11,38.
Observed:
10,34
